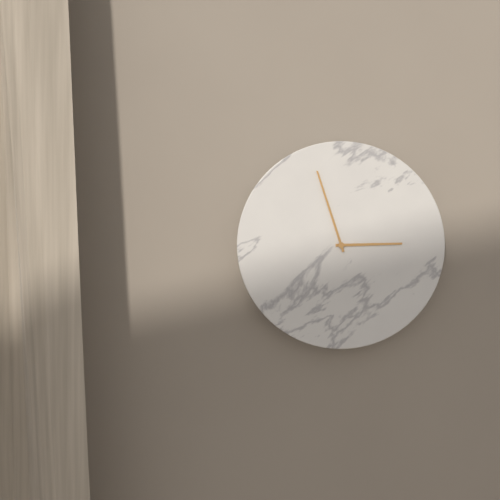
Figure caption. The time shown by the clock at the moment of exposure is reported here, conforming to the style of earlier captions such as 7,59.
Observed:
2,57
